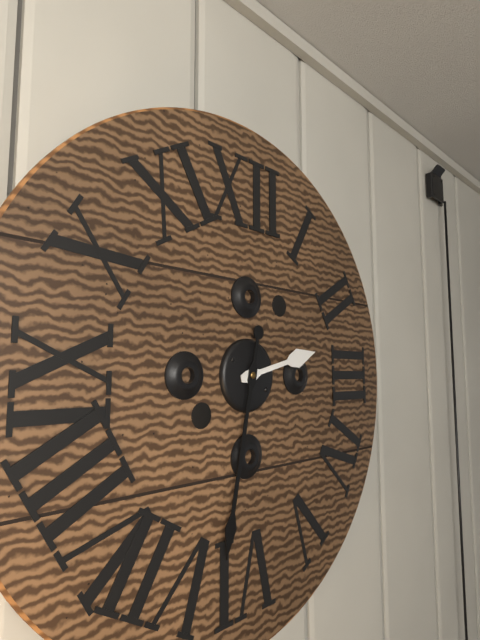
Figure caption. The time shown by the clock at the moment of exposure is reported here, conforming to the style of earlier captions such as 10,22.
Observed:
2,32
